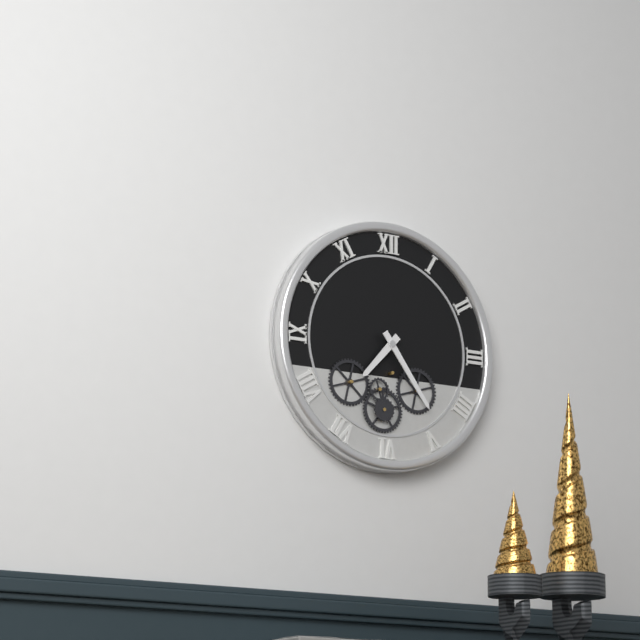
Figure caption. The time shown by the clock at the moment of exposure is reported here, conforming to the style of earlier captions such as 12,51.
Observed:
7,24
